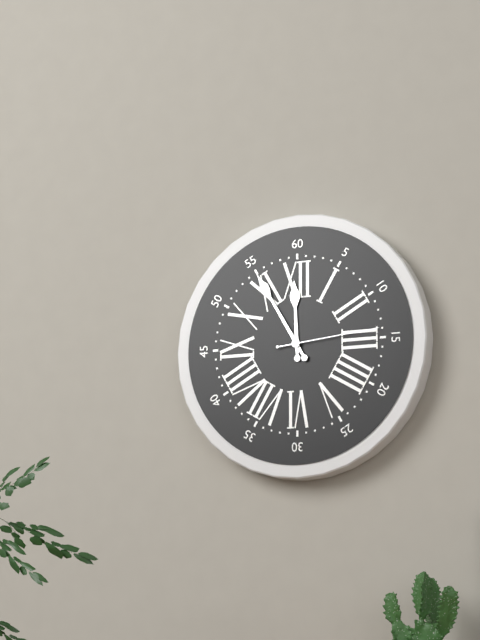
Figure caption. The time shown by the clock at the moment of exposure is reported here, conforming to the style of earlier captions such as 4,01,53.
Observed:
11,55,14
